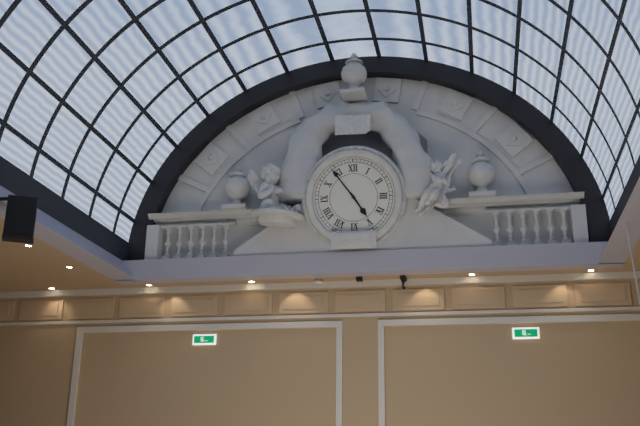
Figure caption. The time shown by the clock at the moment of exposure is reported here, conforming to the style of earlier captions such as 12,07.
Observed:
4,54
